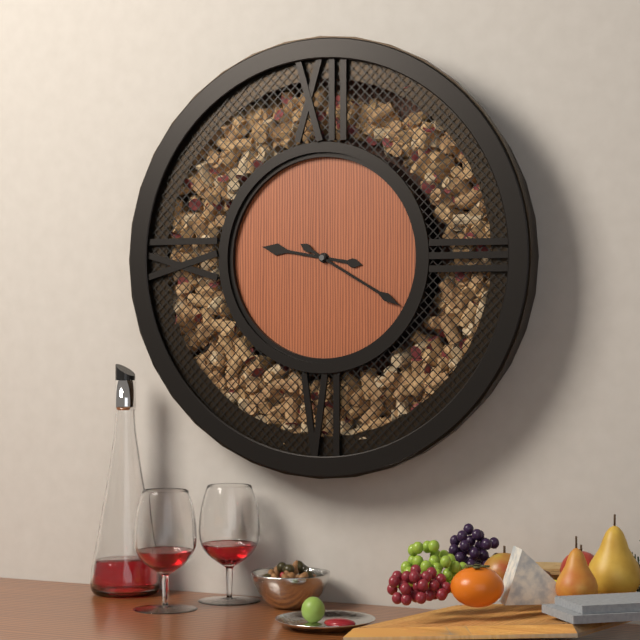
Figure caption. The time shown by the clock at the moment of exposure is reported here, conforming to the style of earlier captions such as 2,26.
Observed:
9,20
